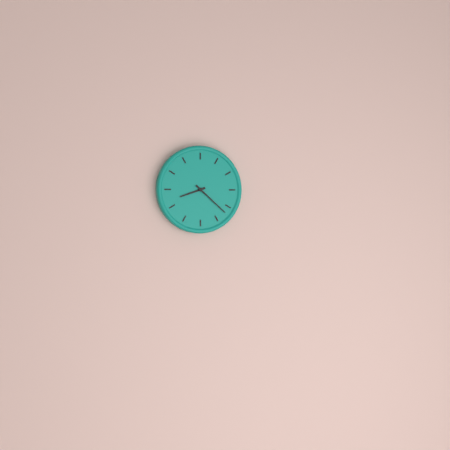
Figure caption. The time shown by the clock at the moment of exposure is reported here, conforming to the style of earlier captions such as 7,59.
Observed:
8,22
